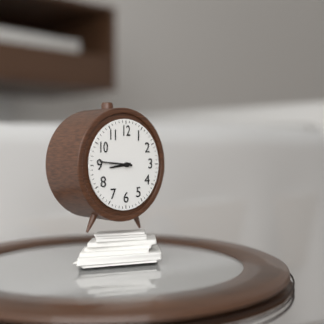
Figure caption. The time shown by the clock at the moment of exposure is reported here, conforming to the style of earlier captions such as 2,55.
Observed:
8,46
